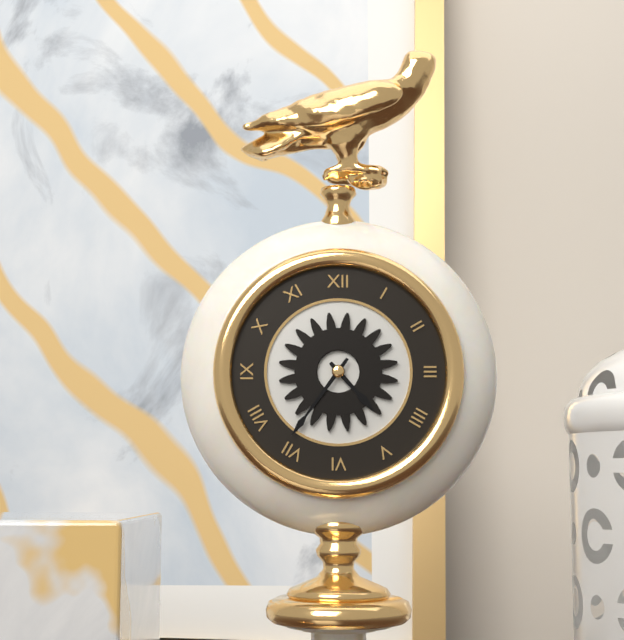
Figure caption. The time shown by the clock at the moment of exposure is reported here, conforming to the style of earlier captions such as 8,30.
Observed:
4,36
